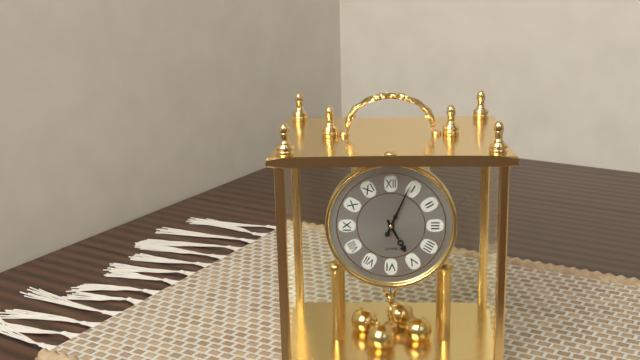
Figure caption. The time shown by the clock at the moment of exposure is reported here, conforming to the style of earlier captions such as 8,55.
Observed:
5,04
